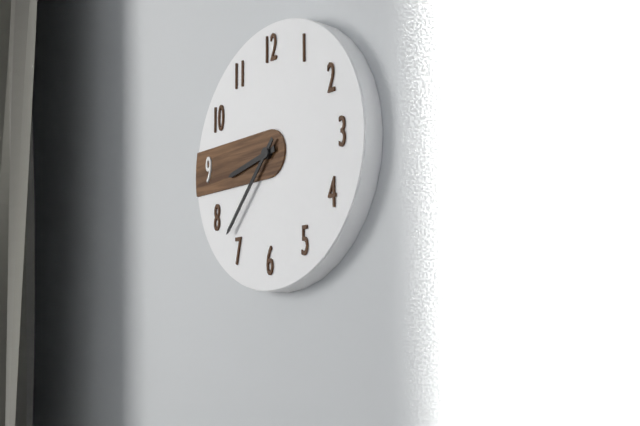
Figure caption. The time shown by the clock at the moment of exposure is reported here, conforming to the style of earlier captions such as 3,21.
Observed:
8,37
